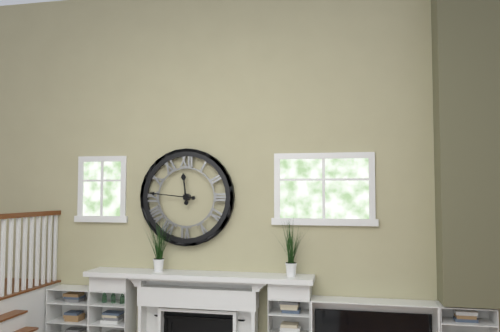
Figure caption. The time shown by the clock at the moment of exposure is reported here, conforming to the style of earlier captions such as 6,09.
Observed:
11,46
